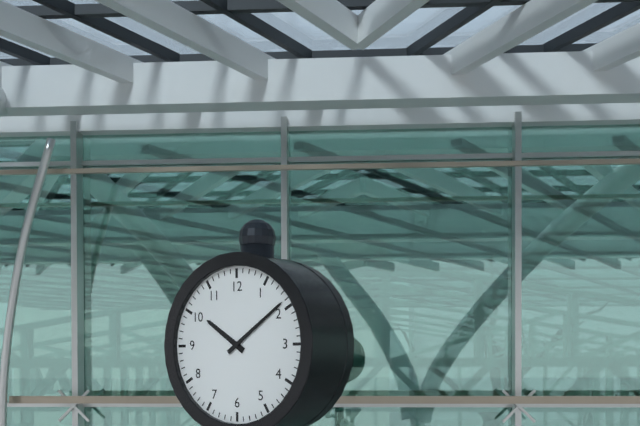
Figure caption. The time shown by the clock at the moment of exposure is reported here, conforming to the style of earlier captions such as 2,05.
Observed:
10,09
